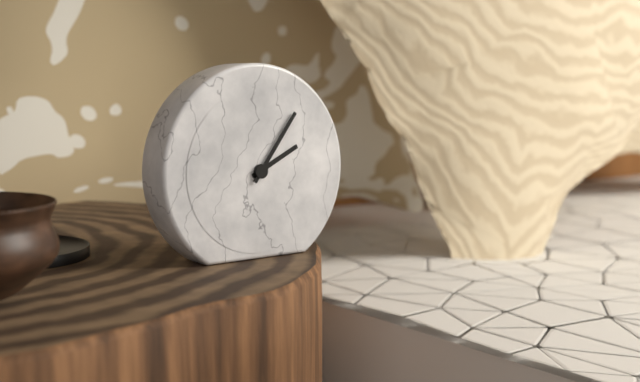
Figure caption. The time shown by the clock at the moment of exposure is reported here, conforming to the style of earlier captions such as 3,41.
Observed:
2,06
